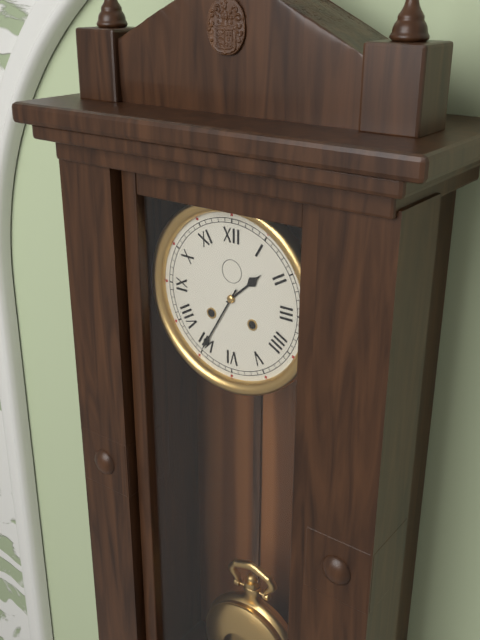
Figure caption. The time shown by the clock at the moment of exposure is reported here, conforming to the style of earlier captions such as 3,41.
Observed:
1,35
